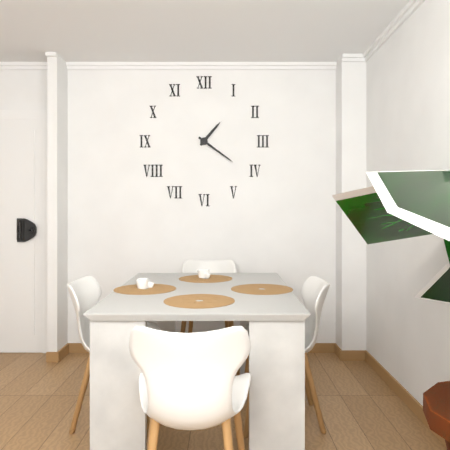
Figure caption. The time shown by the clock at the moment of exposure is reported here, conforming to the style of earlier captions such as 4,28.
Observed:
1,21
